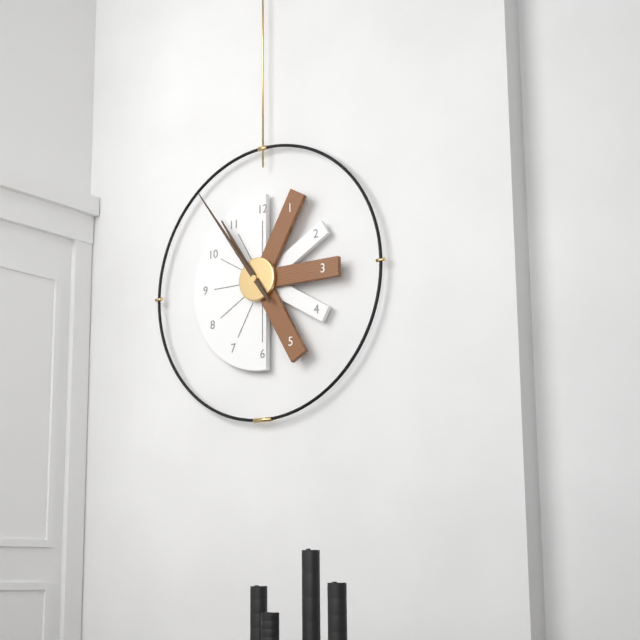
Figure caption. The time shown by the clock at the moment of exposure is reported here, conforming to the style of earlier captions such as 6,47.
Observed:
10,54
